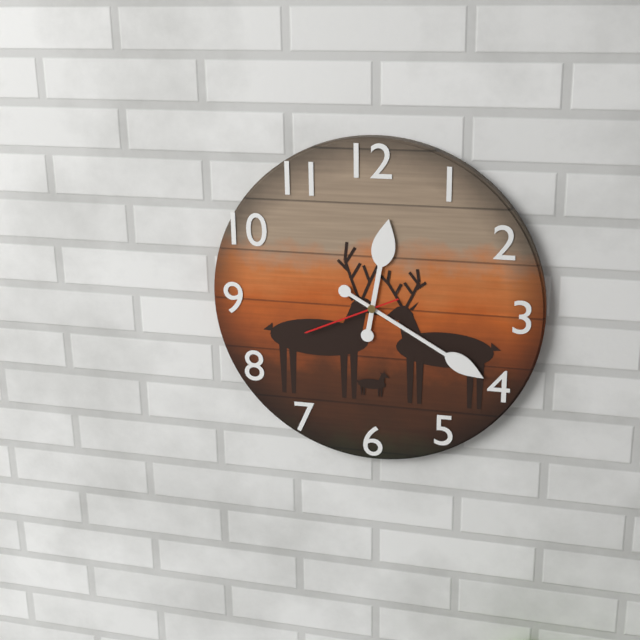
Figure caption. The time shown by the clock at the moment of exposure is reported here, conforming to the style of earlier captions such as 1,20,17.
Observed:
12,20,41
